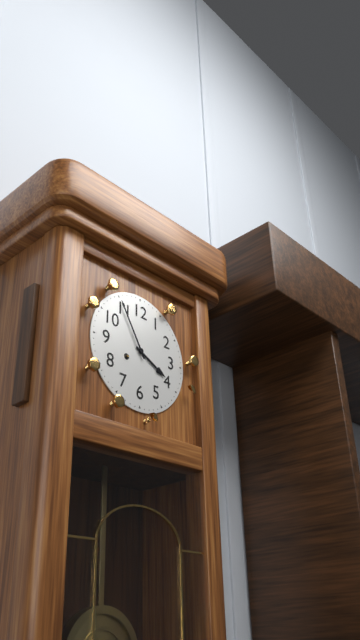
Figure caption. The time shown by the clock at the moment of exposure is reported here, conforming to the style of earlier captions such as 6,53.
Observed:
3,55
